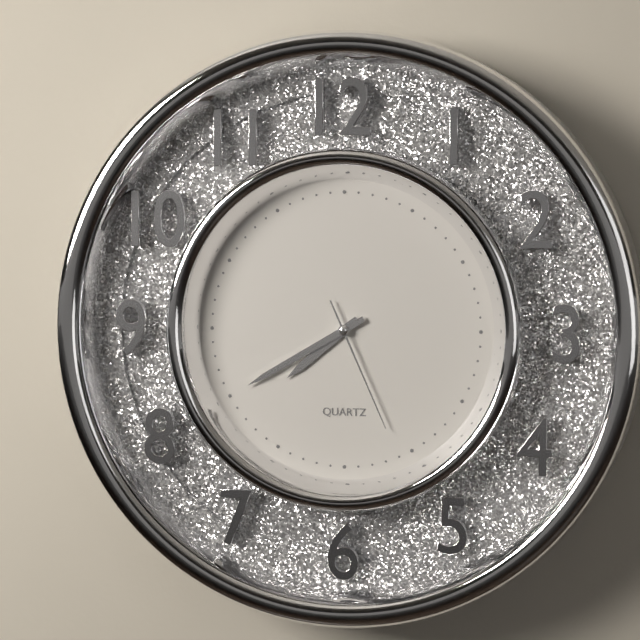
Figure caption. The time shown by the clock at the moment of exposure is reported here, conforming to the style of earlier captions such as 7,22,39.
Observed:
7,40,26
